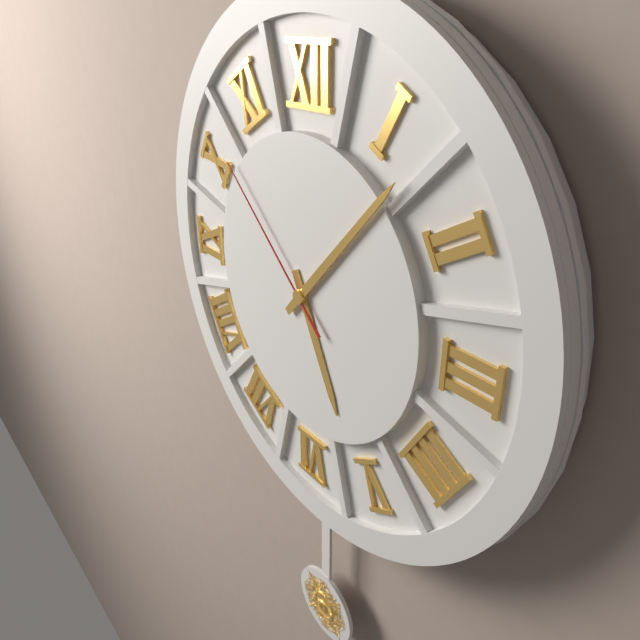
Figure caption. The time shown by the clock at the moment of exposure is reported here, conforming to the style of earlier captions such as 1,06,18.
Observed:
5,07,52
